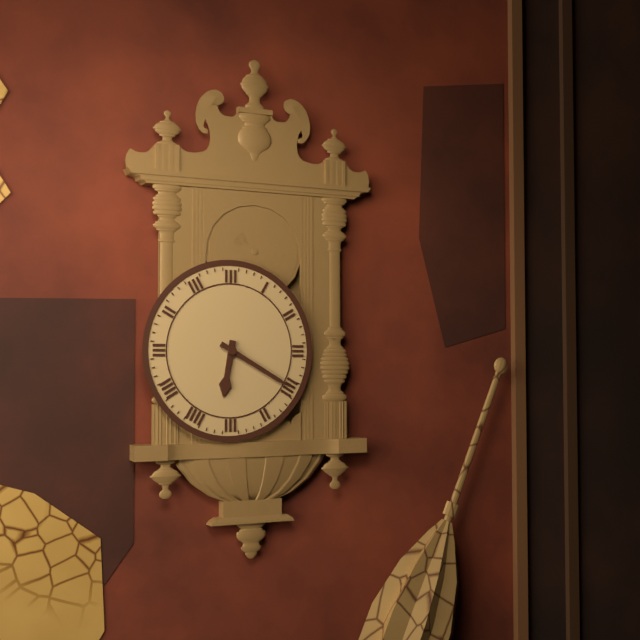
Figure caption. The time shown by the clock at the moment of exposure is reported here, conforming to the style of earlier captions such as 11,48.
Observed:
6,20
